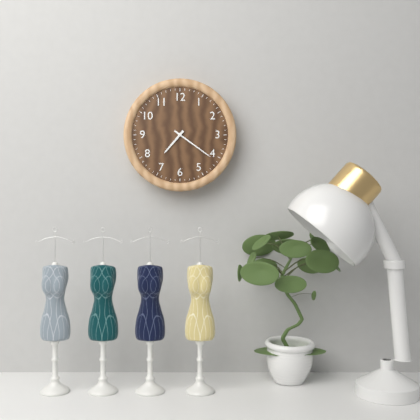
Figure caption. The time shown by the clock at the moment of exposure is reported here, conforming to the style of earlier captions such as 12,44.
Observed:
7,21
